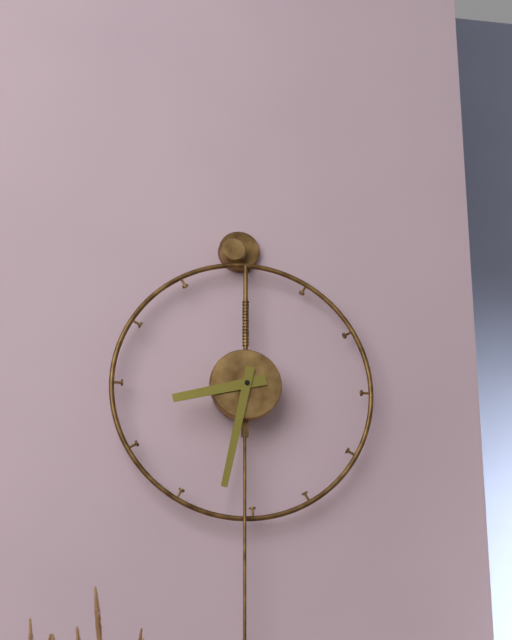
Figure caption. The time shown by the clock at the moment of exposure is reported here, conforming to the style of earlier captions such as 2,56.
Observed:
8,32
